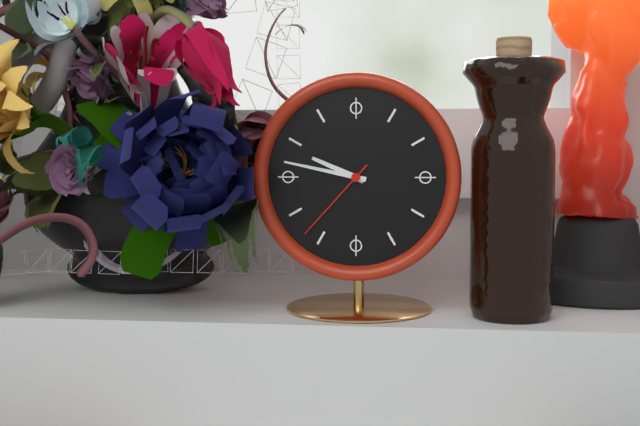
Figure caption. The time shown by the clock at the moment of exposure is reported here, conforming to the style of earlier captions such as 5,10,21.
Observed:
9,47,37
